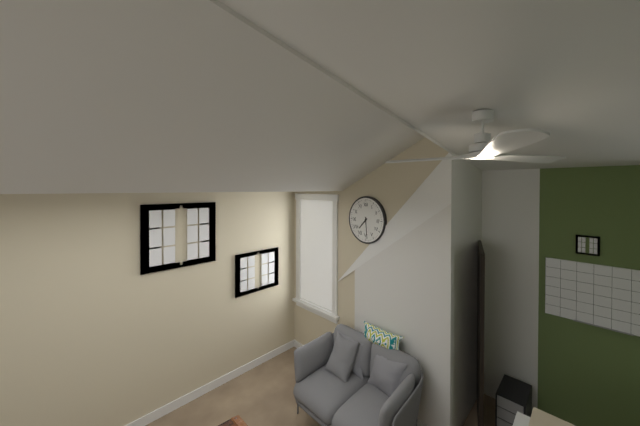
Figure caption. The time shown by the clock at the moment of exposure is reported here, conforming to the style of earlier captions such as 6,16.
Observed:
7,29
